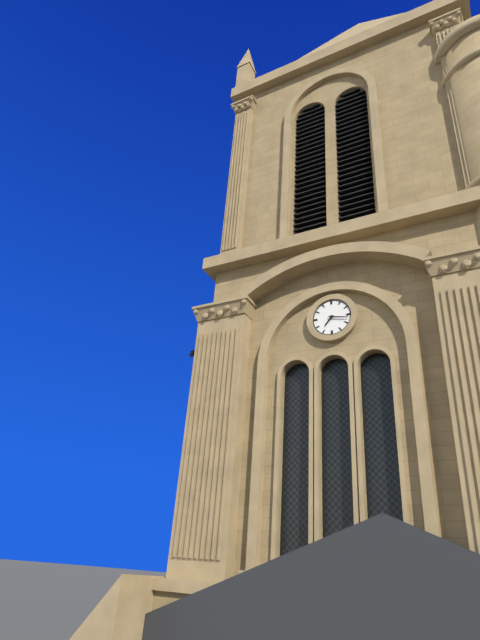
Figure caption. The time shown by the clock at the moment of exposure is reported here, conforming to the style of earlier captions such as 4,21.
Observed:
7,17
